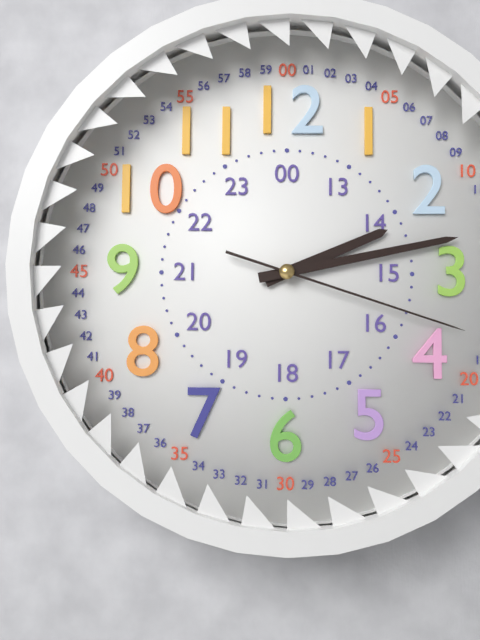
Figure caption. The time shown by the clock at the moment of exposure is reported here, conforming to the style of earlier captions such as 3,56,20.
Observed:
2,13,18
